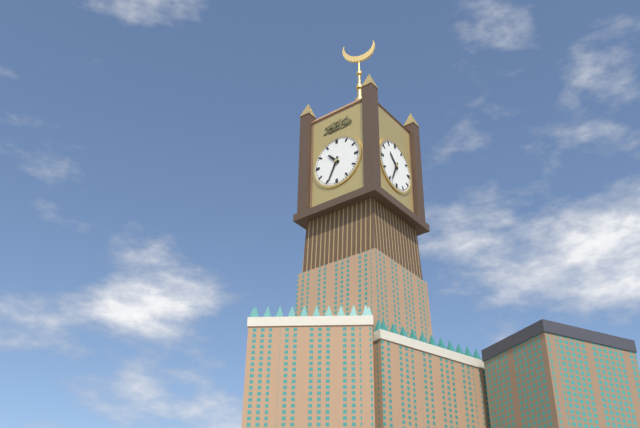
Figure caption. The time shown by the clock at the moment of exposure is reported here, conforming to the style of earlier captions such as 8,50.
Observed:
10,34
